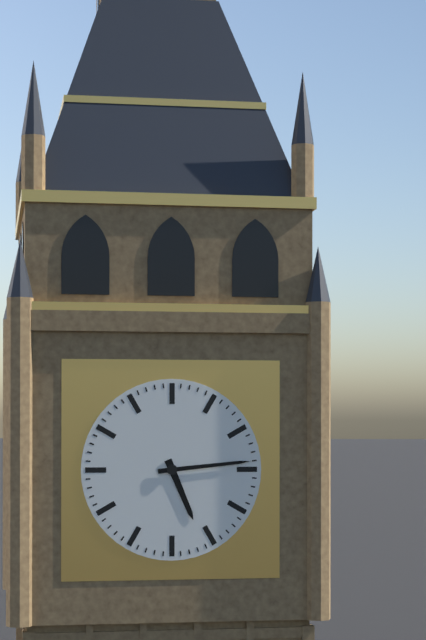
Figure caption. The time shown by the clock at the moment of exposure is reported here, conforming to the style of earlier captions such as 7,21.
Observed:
5,14
